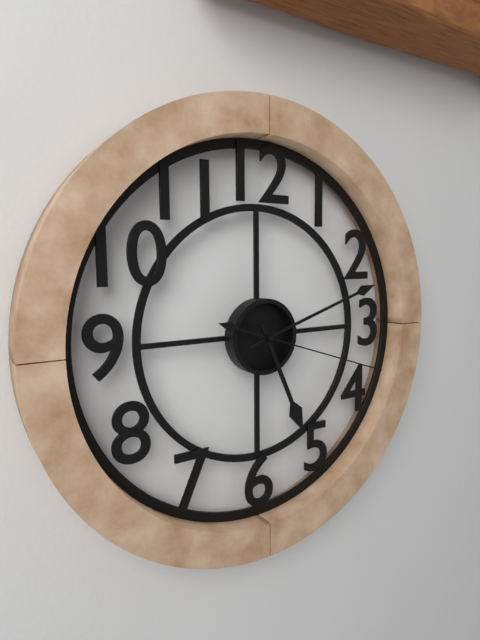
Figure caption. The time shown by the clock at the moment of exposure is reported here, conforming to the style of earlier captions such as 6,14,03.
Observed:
5,12,18
